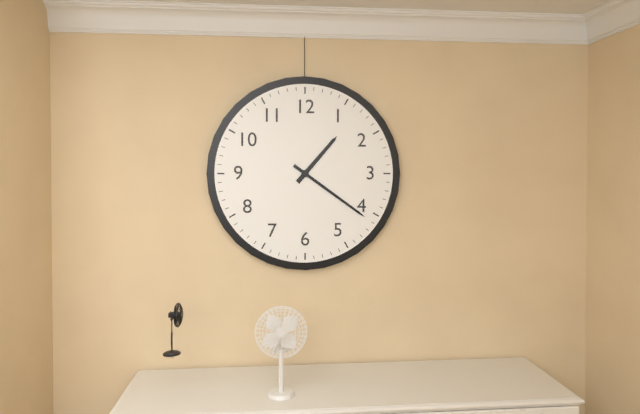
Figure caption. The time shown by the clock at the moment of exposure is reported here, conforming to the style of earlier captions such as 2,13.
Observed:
1,21
